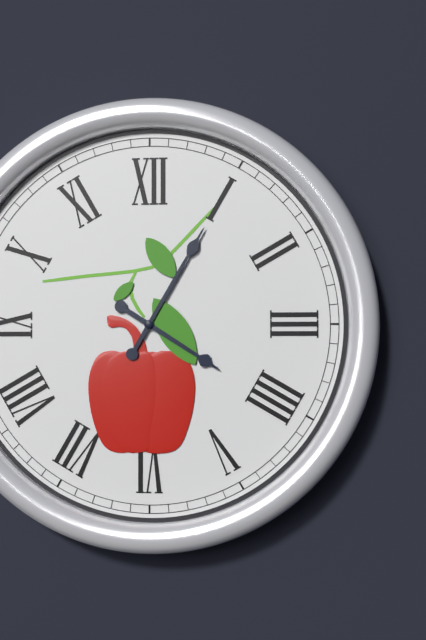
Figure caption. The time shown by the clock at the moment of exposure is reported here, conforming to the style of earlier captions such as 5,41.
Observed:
4,05
